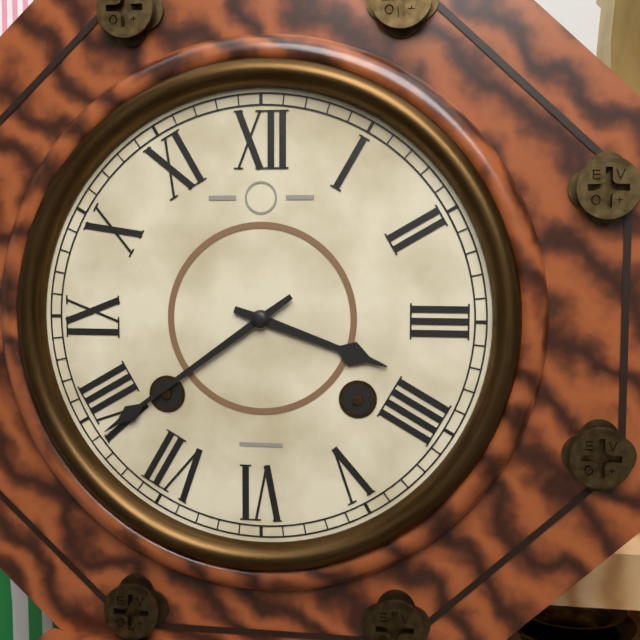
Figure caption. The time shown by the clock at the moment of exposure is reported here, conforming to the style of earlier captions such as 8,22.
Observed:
3,39
